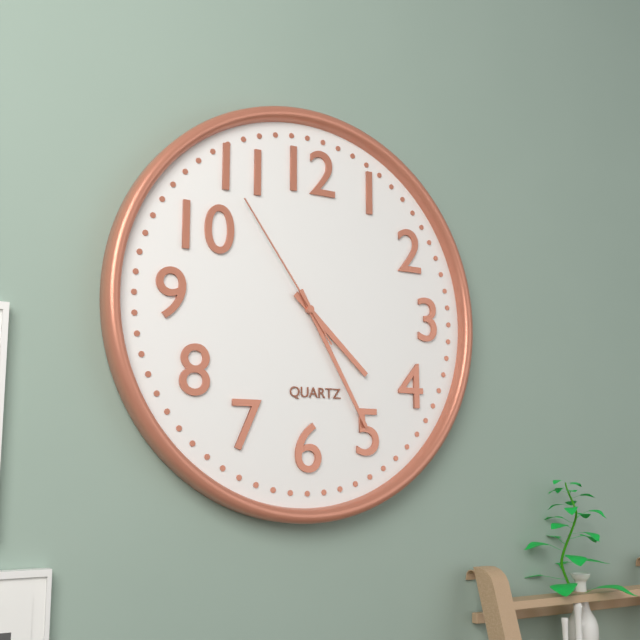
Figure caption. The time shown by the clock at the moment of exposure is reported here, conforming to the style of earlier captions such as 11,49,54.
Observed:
4,25,54
